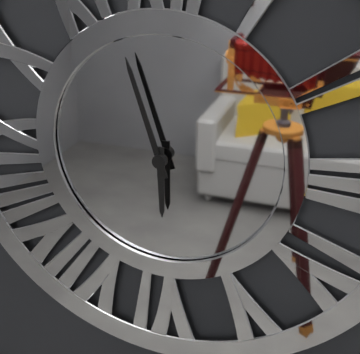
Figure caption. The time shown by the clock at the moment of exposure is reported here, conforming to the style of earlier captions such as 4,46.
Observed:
5,57
